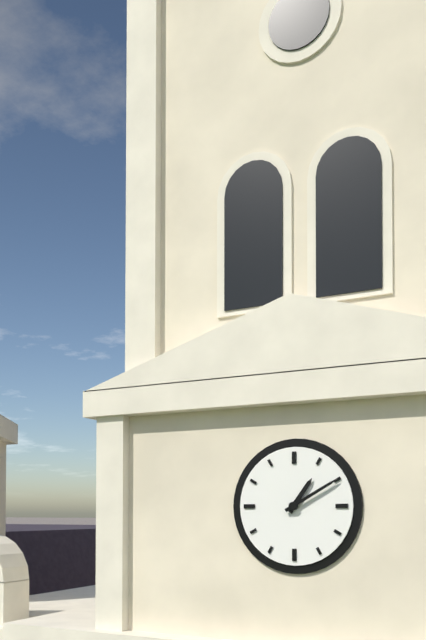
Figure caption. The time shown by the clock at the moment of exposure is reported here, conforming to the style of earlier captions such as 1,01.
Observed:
1,10
